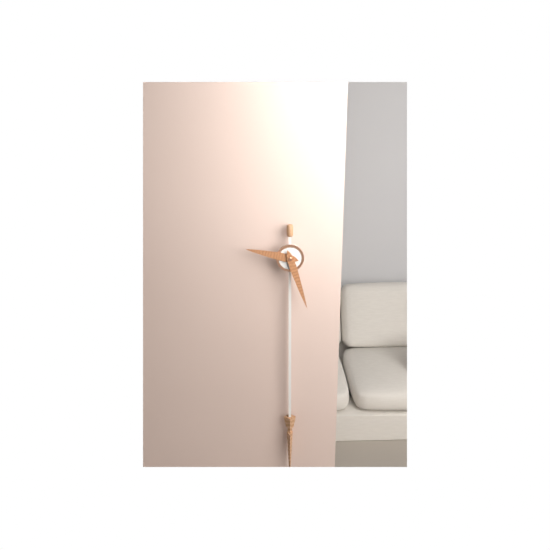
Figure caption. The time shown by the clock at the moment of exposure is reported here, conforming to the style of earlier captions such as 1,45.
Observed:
9,27
